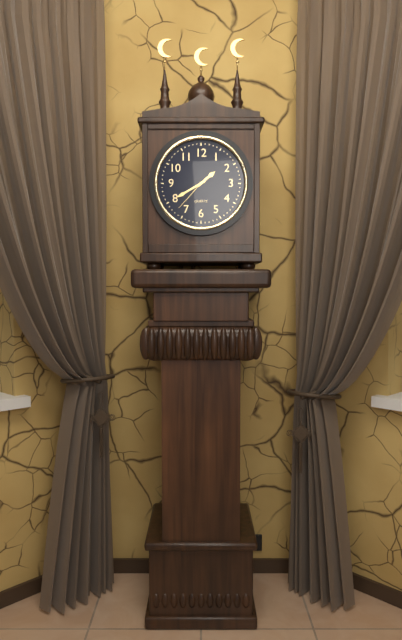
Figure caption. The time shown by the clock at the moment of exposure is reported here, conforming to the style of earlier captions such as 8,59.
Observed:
1,40
